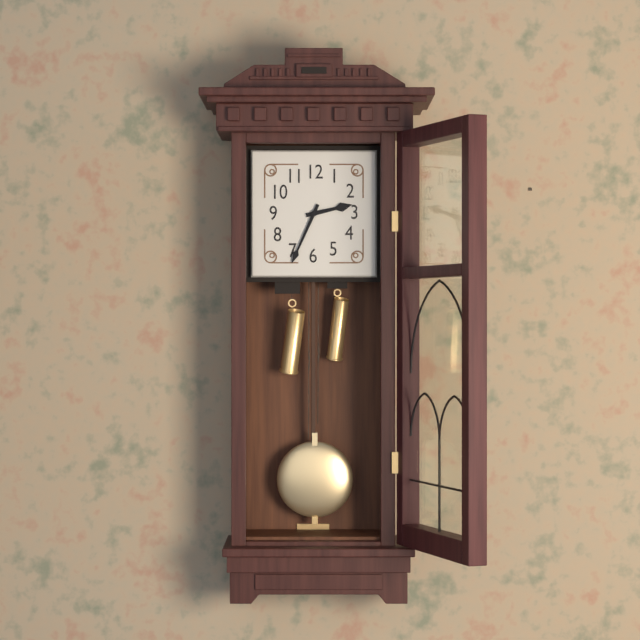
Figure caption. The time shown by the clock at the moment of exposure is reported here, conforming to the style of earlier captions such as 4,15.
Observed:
2,34
